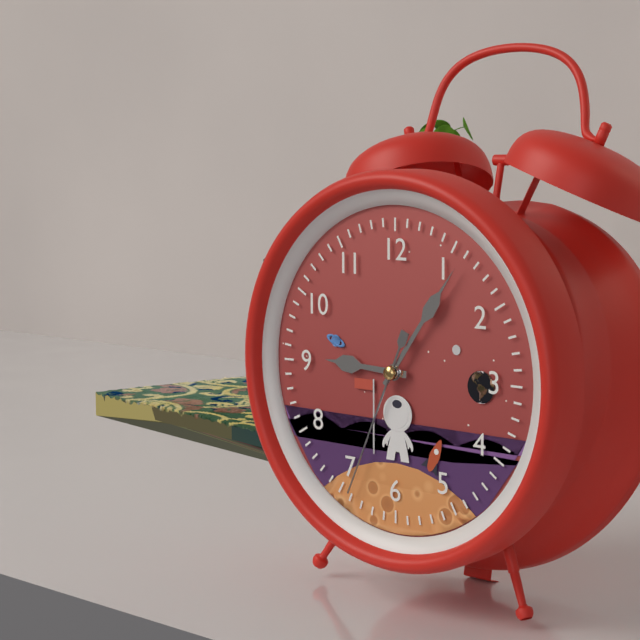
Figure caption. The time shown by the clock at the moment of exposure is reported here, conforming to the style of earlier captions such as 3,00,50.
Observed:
9,06,34
